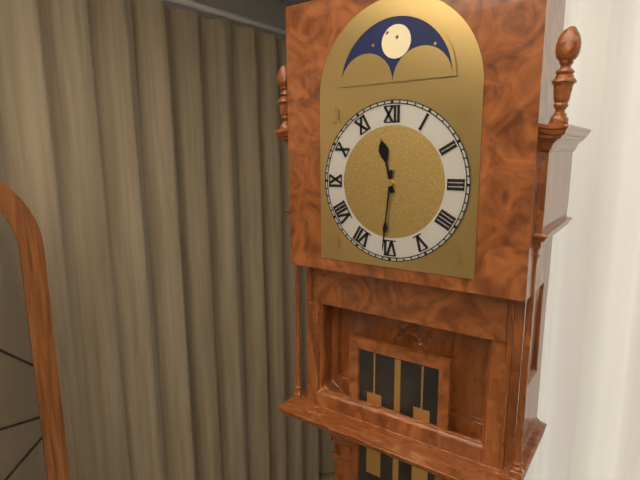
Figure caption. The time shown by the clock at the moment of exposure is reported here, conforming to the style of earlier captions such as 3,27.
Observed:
11,31
